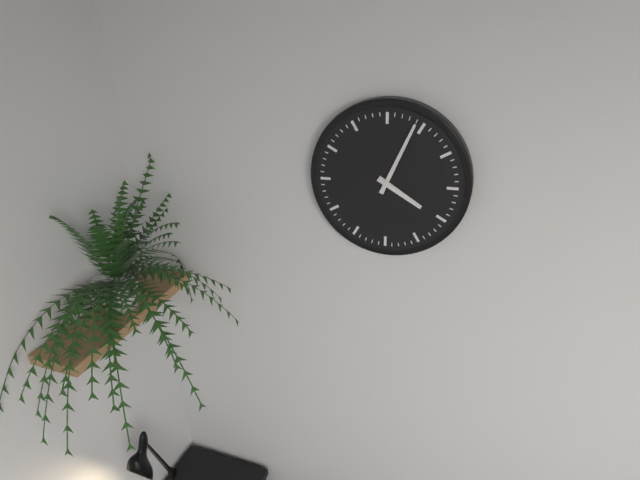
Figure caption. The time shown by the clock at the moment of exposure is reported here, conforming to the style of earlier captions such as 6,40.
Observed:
4,04
